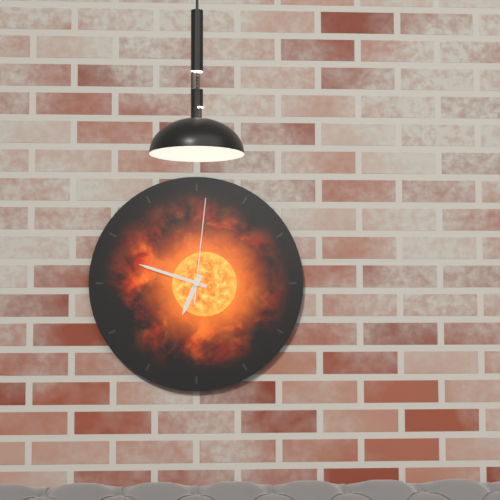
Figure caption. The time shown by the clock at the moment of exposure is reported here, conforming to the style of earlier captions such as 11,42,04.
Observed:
6,48,01
